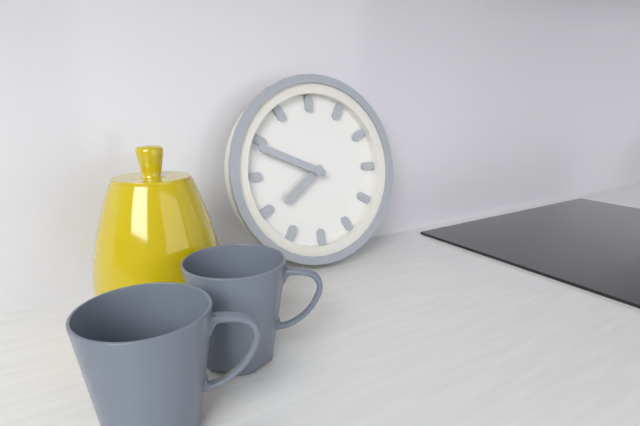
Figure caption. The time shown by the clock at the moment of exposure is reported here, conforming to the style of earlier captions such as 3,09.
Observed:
7,49
